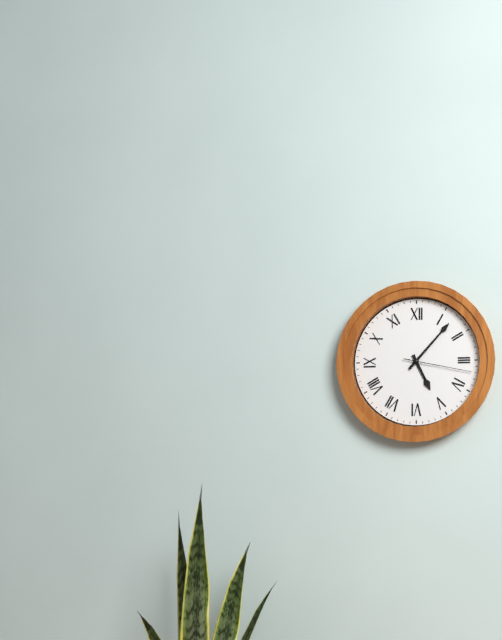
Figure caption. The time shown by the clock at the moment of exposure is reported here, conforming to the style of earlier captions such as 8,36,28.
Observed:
5,07,17
